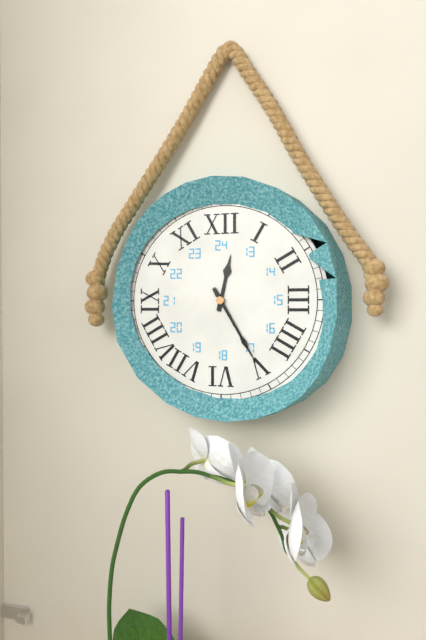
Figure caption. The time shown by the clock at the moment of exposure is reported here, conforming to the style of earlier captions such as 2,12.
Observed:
12,25
